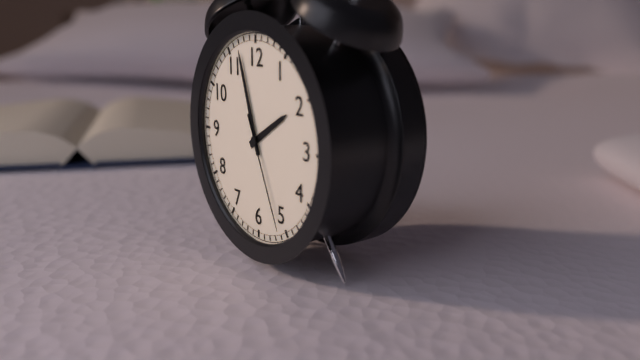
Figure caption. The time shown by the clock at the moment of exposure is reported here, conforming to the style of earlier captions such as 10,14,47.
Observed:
1,57,26
